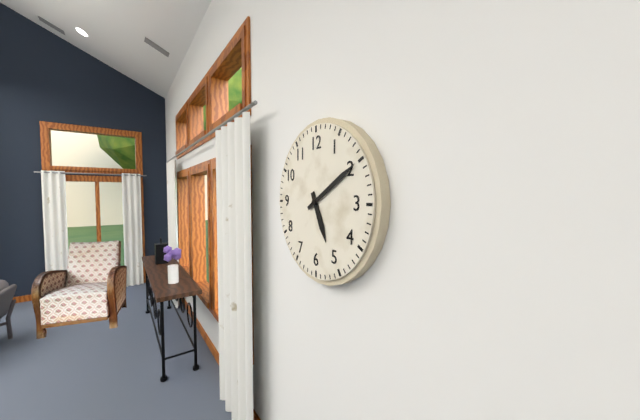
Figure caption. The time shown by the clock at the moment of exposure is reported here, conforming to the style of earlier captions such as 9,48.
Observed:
5,10
